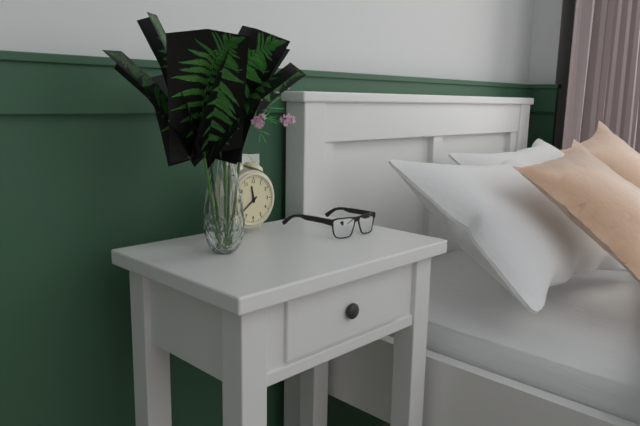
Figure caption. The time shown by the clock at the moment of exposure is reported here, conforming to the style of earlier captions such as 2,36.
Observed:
11,39
